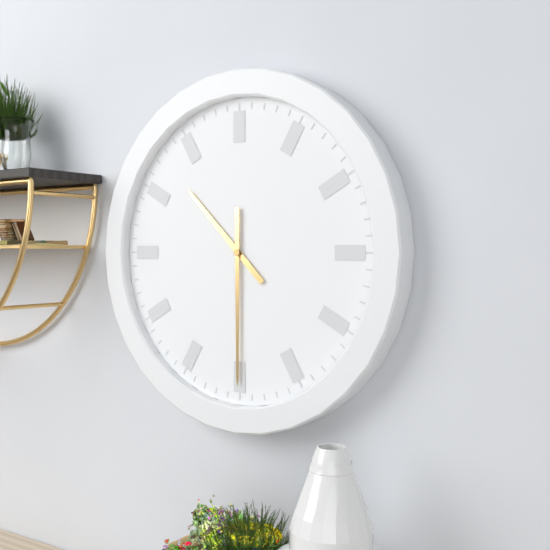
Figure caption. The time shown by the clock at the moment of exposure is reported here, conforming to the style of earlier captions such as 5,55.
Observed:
10,30
